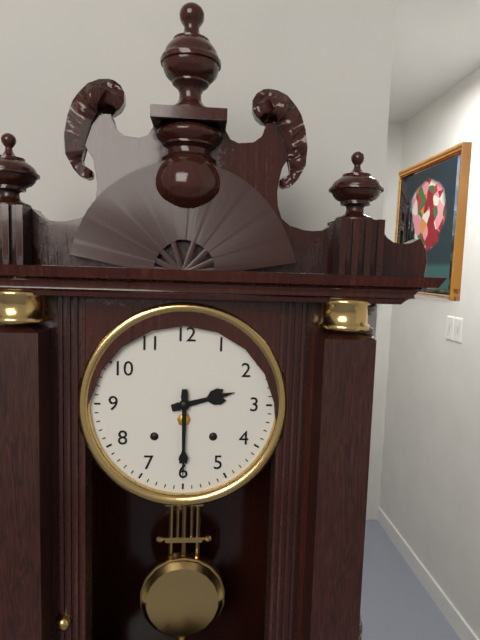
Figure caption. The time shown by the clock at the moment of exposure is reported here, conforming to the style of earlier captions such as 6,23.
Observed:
2,30
